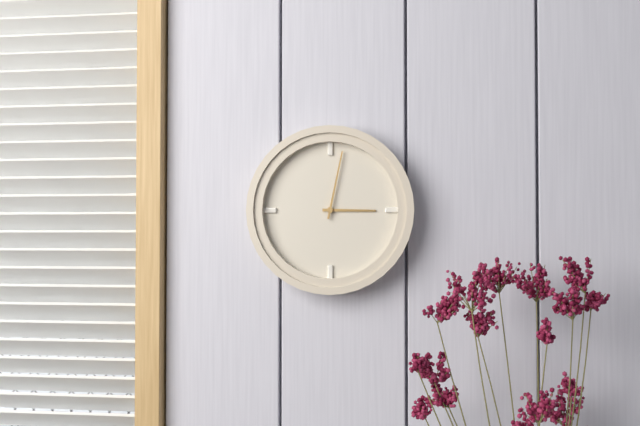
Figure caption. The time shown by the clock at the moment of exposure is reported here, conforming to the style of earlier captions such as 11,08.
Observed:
3,02
